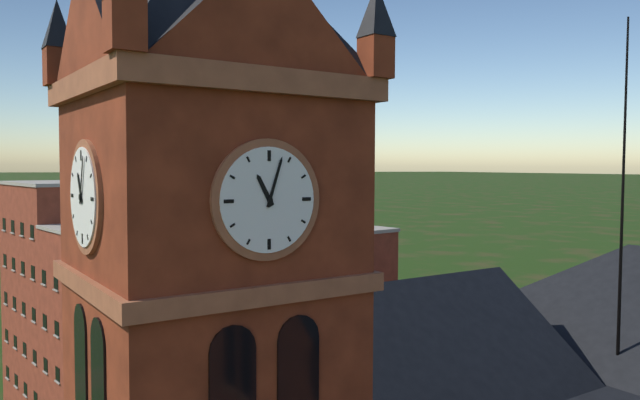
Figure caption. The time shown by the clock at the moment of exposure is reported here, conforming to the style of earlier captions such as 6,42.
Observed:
11,03
